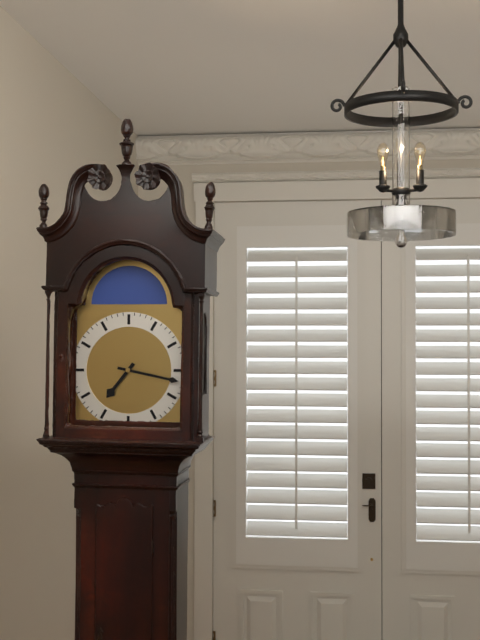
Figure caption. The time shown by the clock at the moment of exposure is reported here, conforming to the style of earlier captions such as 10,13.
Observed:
7,17
